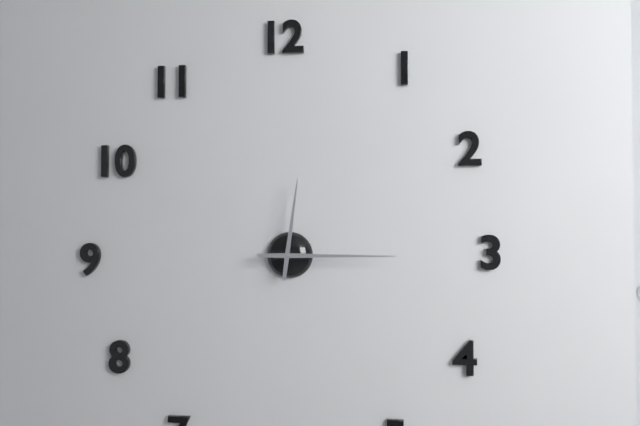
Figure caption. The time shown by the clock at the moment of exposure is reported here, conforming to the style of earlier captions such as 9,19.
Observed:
12,15
